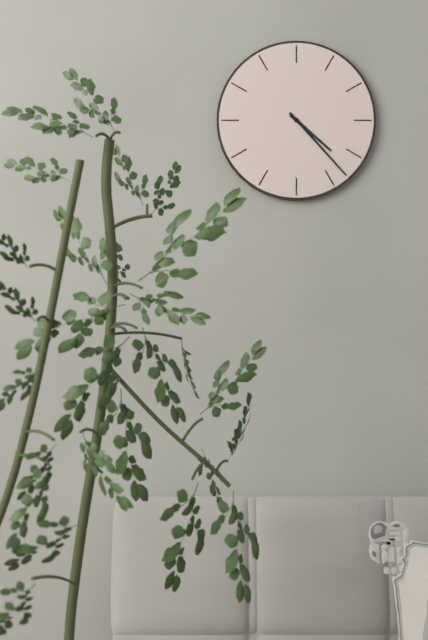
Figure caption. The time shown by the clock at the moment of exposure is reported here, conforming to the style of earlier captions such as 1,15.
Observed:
4,23
